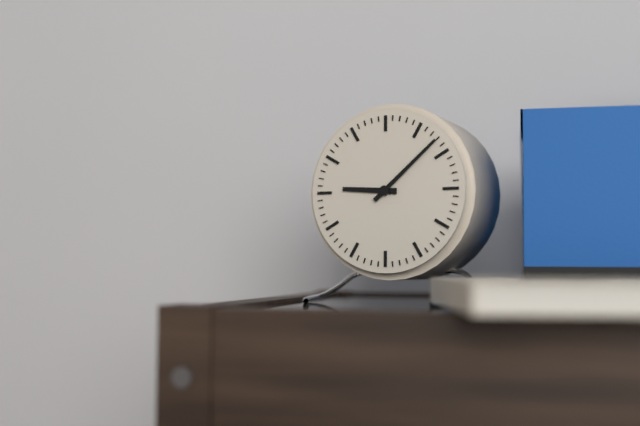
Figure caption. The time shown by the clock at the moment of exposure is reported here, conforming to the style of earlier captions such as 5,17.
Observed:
9,08
